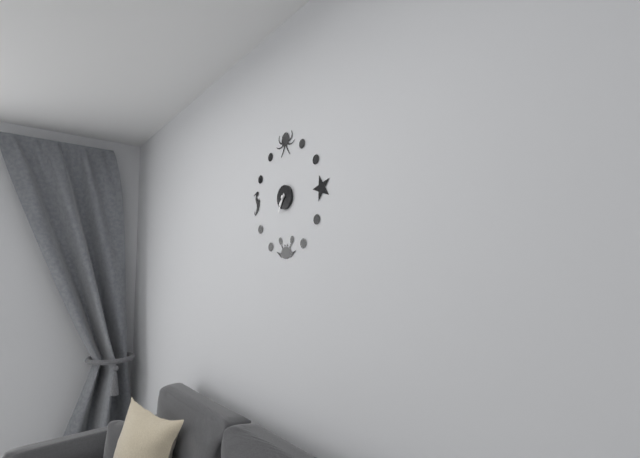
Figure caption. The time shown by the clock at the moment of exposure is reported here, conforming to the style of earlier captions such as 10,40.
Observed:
7,35
